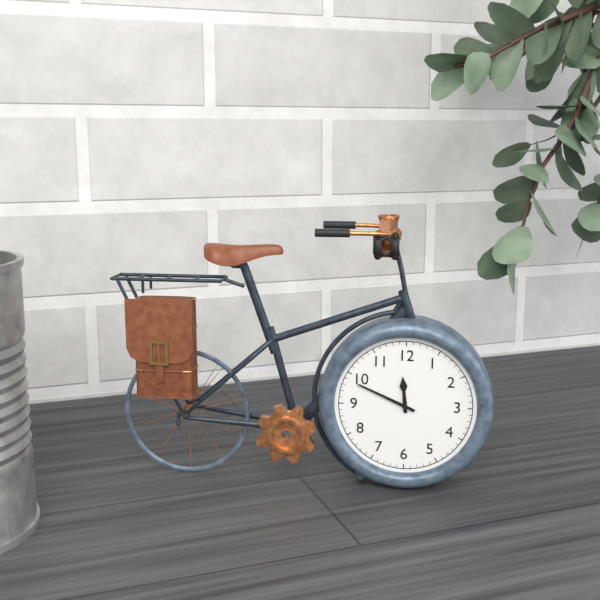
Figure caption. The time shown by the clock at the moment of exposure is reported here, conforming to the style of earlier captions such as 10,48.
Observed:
11,49
